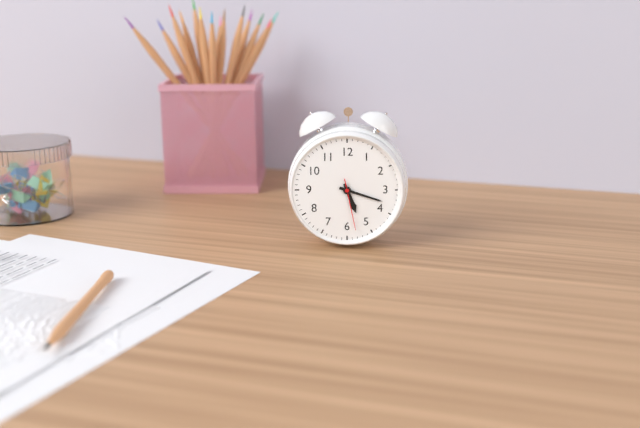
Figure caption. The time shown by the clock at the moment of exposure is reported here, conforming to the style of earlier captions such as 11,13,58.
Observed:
5,18,28
